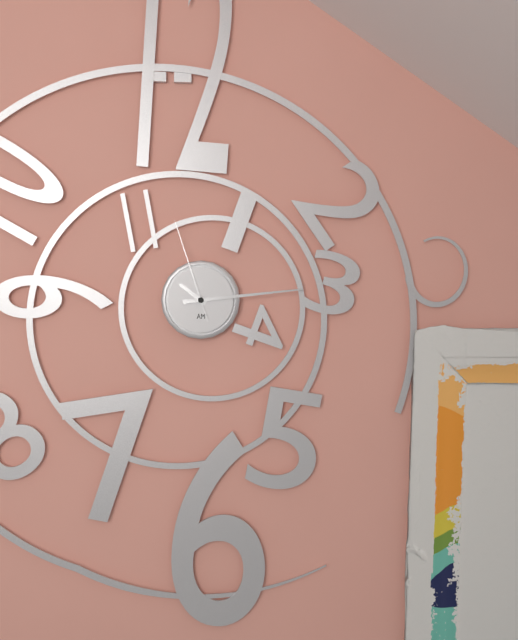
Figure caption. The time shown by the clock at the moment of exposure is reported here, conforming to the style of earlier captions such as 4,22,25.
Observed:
10,14,57
